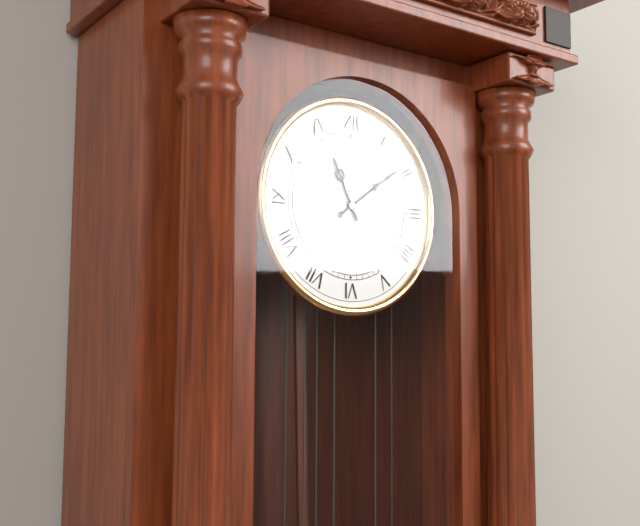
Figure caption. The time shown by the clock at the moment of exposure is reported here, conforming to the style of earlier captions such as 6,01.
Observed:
11,09
